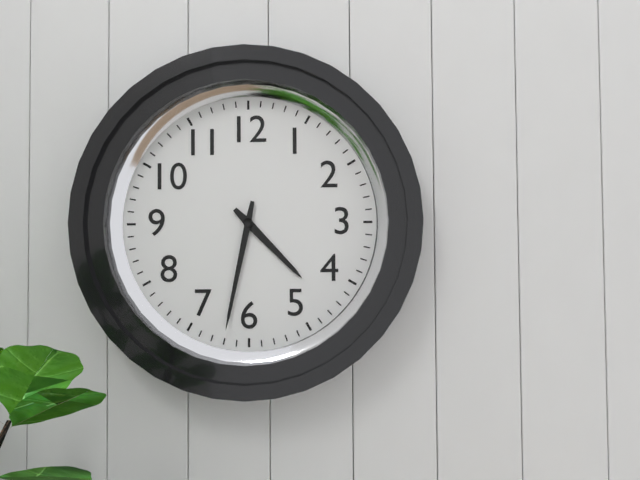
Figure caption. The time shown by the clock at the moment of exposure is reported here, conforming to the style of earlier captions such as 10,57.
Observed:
4,32
